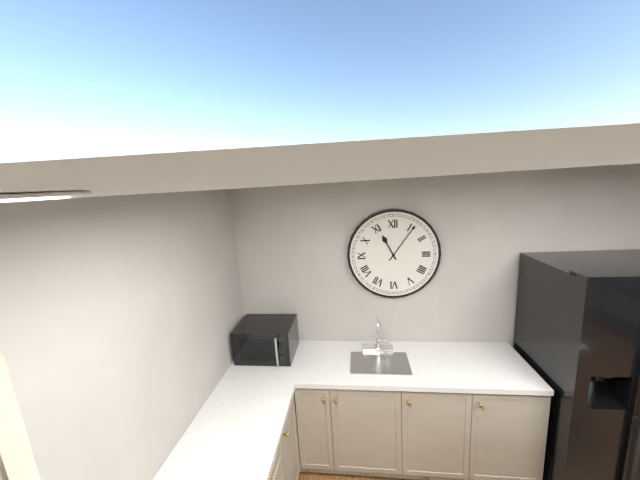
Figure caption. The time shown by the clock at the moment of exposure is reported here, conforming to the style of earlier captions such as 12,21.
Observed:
11,06
